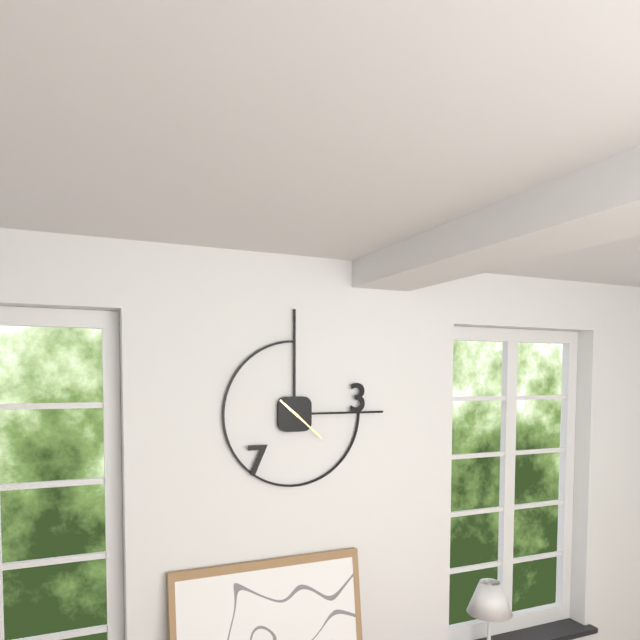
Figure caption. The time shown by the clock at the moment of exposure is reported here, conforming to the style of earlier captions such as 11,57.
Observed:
10,22
